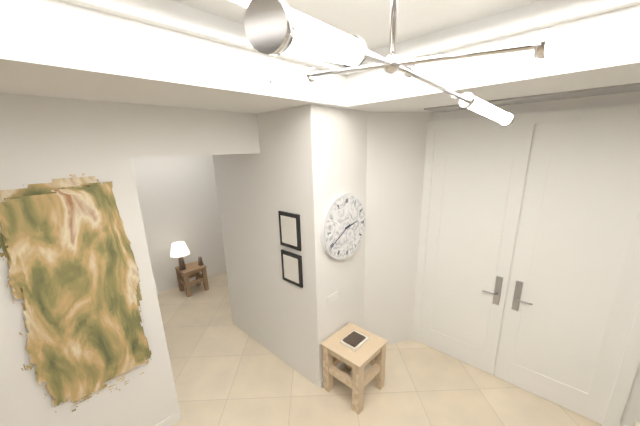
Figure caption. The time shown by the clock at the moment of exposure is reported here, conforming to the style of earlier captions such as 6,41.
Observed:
2,40
